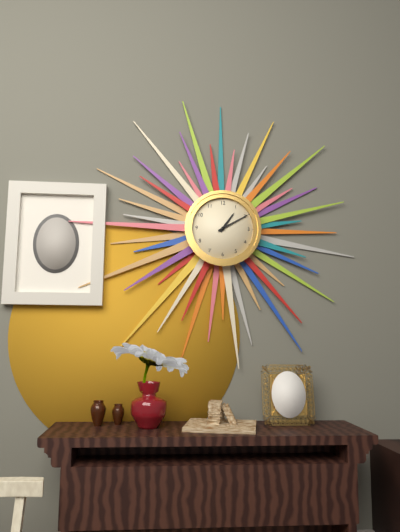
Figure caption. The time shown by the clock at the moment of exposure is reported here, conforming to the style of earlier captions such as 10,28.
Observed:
1,10
